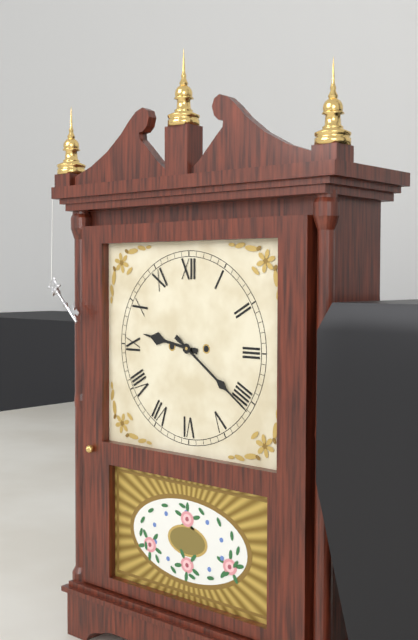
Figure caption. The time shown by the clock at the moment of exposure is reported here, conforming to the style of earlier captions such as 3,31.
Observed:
9,21
